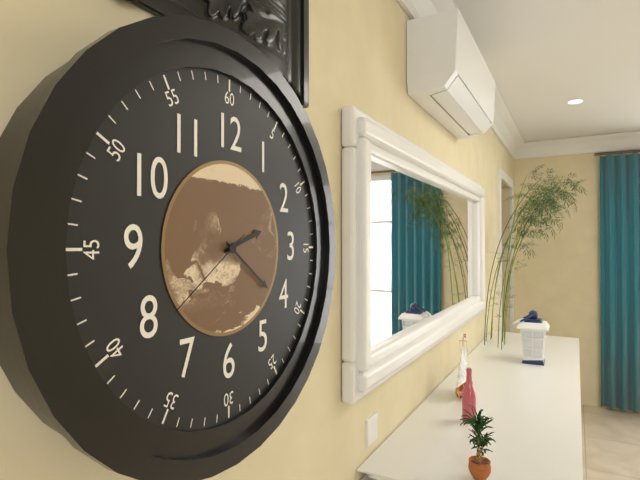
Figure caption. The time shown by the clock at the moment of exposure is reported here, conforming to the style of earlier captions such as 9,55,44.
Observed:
2,21,39
